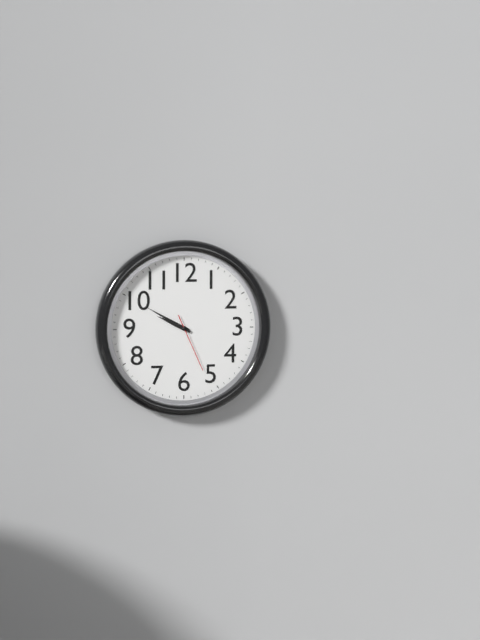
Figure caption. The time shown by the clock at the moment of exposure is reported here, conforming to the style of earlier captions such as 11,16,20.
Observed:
9,50,26
